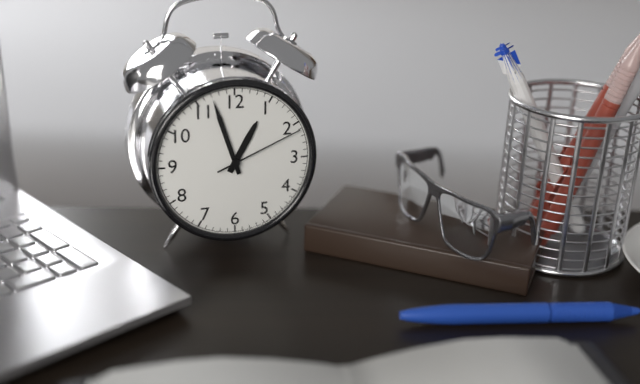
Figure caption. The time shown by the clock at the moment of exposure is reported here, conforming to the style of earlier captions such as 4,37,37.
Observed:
12,57,11
